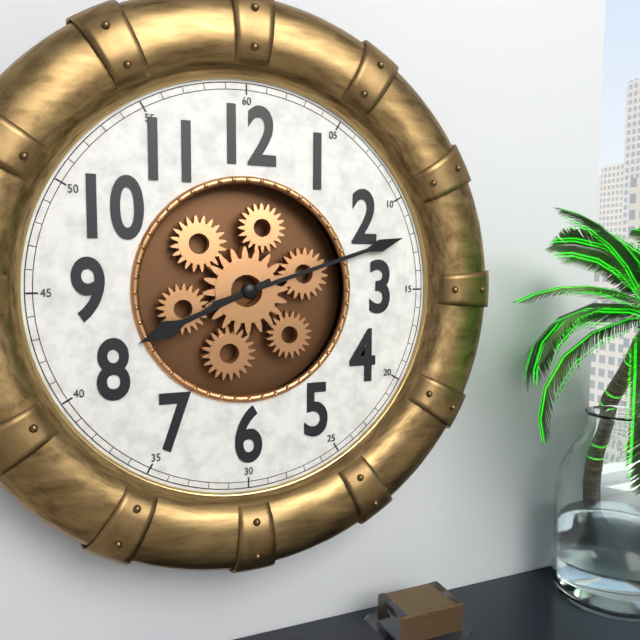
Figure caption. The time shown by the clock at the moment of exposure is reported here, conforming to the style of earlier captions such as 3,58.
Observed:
8,12
